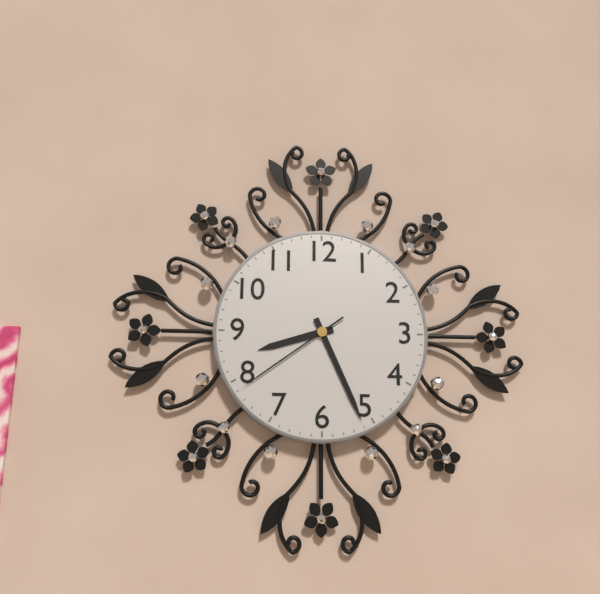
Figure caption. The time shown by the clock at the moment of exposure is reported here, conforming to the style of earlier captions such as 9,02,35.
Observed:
8,26,39
